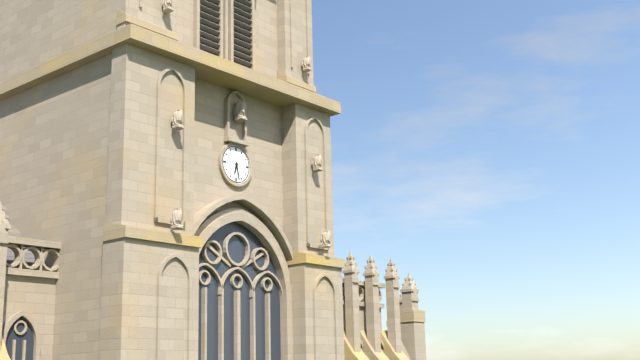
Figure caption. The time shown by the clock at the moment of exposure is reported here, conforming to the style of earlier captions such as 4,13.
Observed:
6,28
